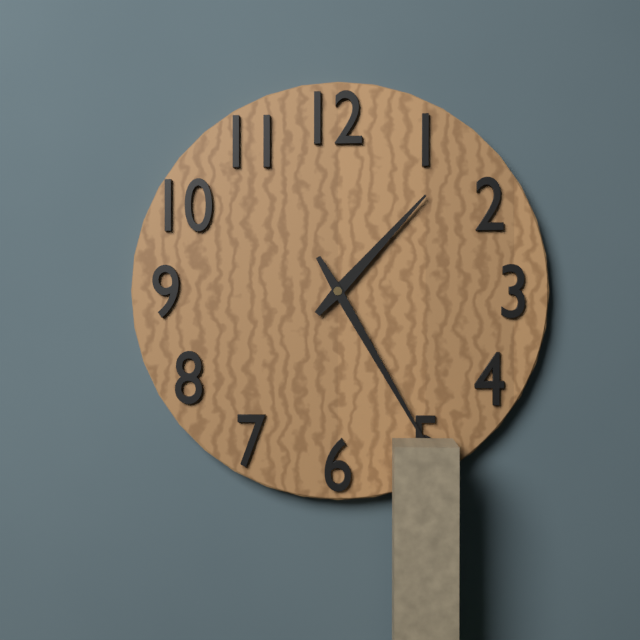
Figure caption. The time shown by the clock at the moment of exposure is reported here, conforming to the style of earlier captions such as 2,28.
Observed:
1,25
